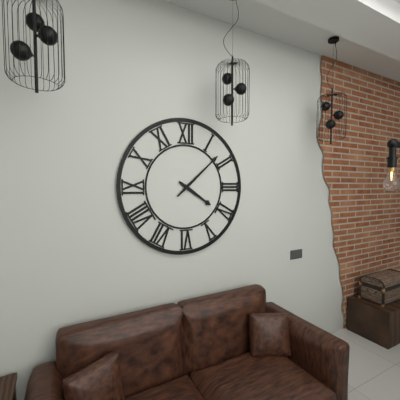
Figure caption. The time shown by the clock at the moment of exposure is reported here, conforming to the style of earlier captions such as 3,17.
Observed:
4,08
